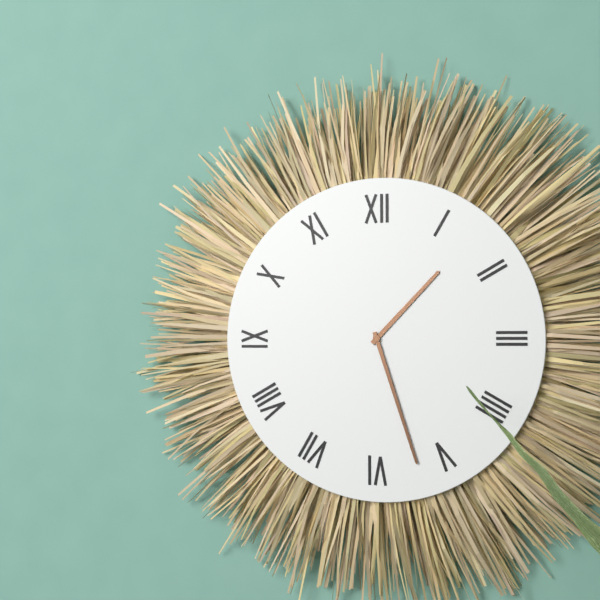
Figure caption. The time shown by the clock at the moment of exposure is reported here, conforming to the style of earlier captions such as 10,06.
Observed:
1,27
